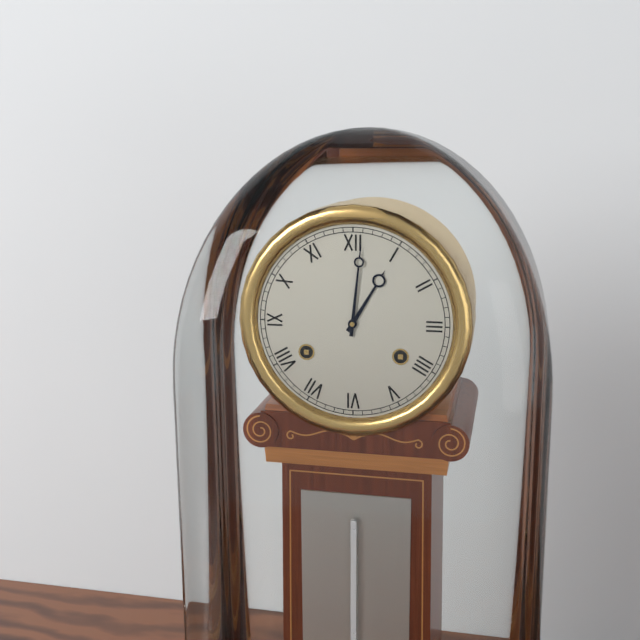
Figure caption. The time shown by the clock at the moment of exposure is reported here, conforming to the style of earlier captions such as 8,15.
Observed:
1,01
